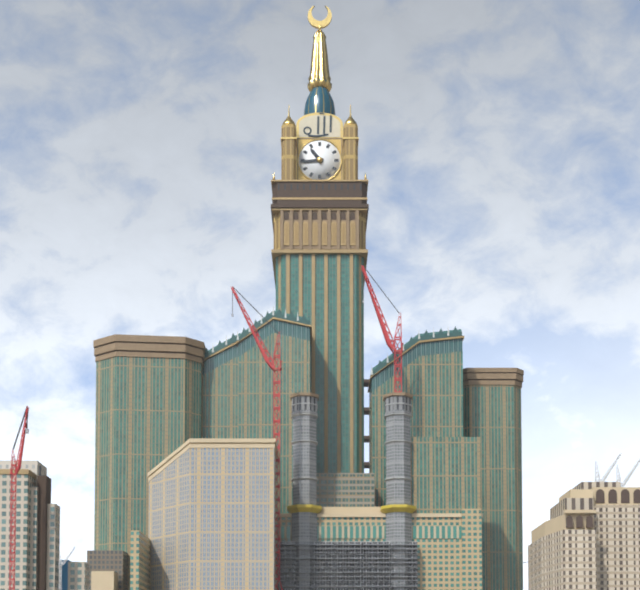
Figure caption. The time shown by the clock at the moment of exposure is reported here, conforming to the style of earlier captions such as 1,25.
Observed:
10,44
